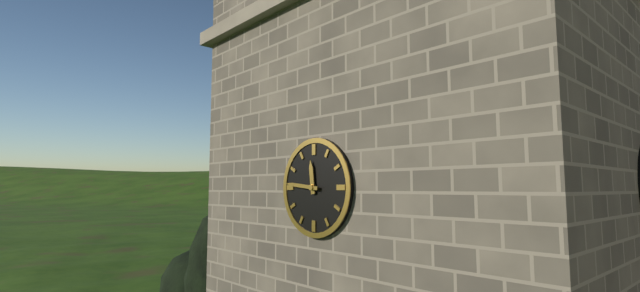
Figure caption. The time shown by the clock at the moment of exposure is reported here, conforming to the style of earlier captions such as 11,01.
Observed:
11,46
